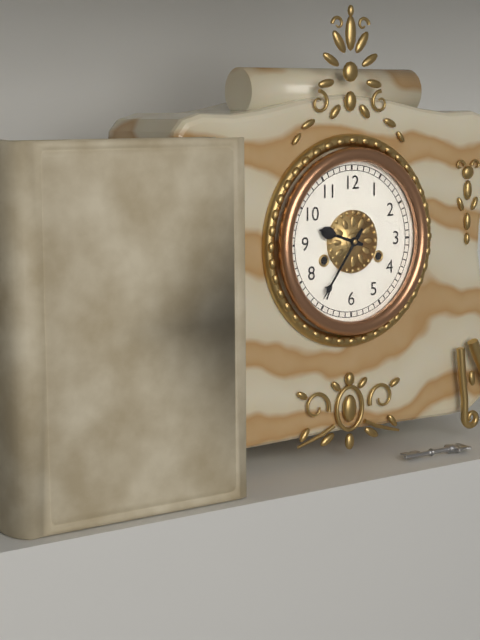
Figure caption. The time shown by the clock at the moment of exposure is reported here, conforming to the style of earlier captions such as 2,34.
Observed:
9,36
